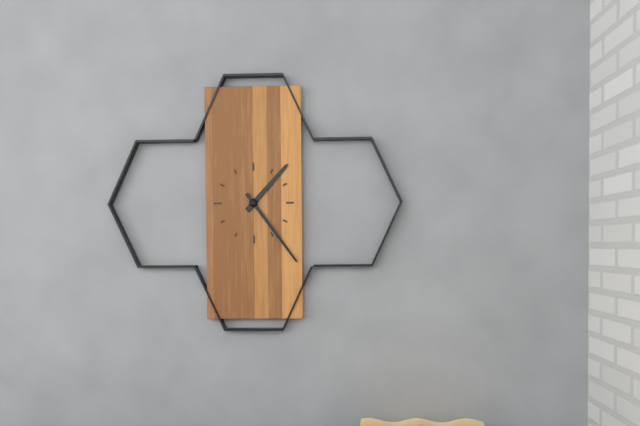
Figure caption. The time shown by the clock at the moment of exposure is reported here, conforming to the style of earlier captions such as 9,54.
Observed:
1,24
